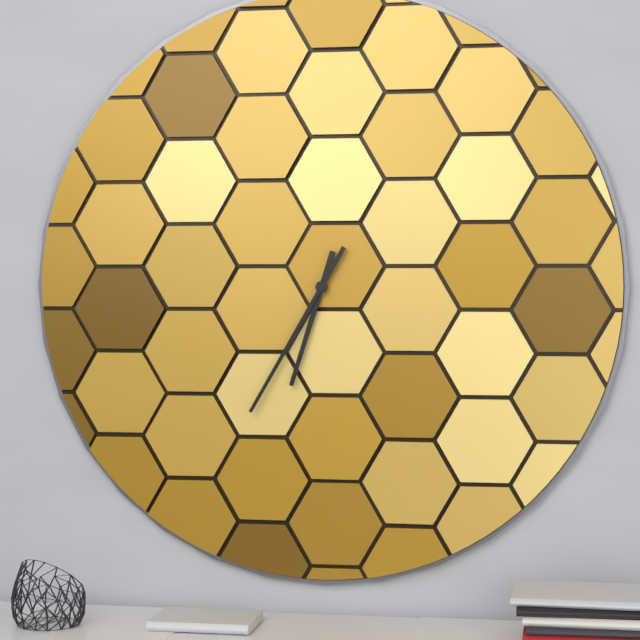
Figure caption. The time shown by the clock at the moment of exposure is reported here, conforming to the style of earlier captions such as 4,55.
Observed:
6,35
